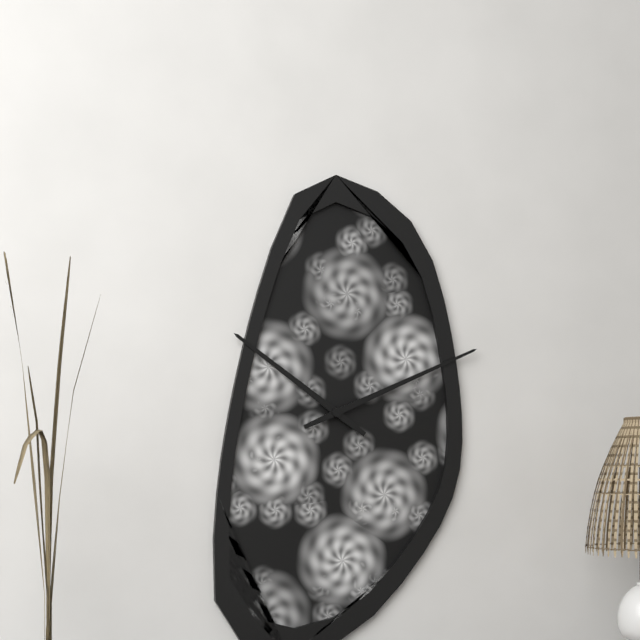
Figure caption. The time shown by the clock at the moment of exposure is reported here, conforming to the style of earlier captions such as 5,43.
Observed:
10,11
